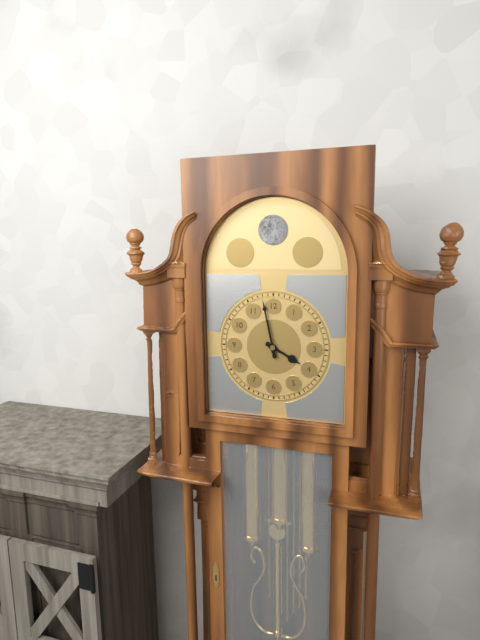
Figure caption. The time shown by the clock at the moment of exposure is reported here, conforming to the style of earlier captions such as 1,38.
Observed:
3,58
